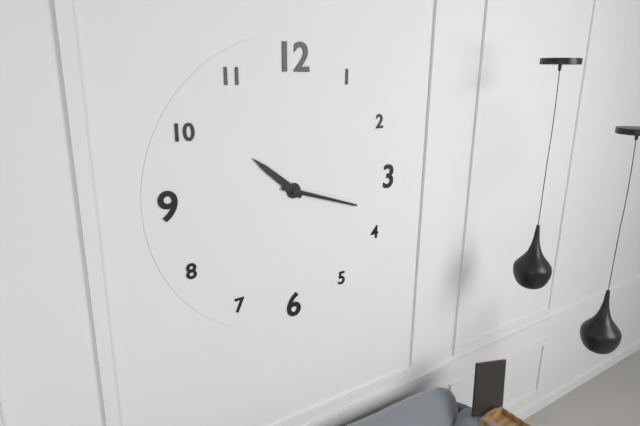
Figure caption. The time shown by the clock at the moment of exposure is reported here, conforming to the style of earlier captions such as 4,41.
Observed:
10,18
